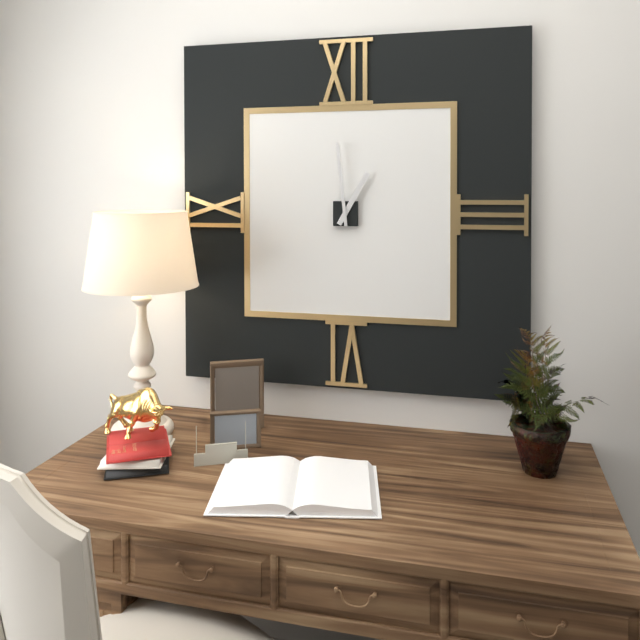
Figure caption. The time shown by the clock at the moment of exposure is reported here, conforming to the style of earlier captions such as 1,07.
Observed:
12,59
